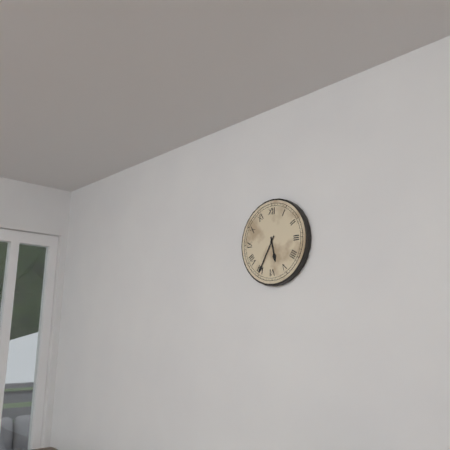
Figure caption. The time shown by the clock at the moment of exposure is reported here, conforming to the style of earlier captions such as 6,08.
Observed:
5,35
